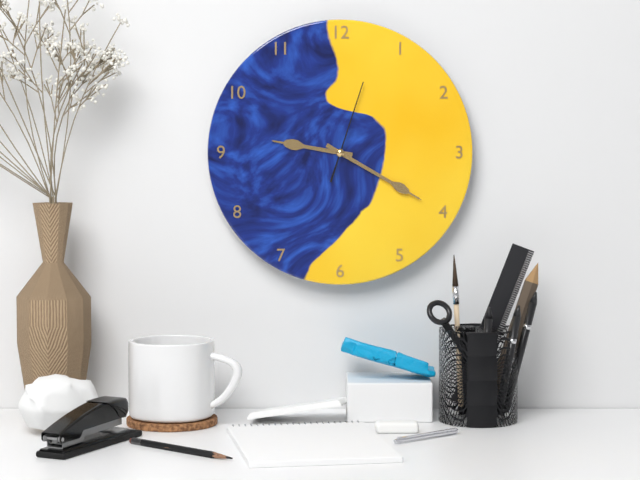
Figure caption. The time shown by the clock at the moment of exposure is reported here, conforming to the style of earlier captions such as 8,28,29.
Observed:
9,20,03
